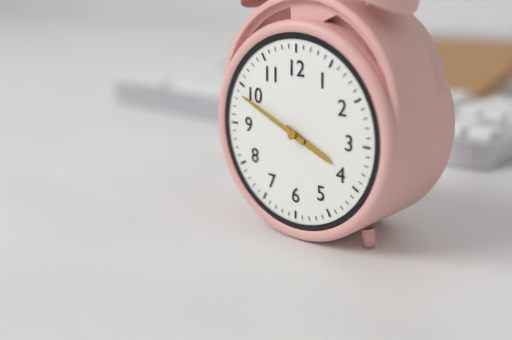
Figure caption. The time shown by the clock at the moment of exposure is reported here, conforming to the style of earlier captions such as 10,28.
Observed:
3,49
